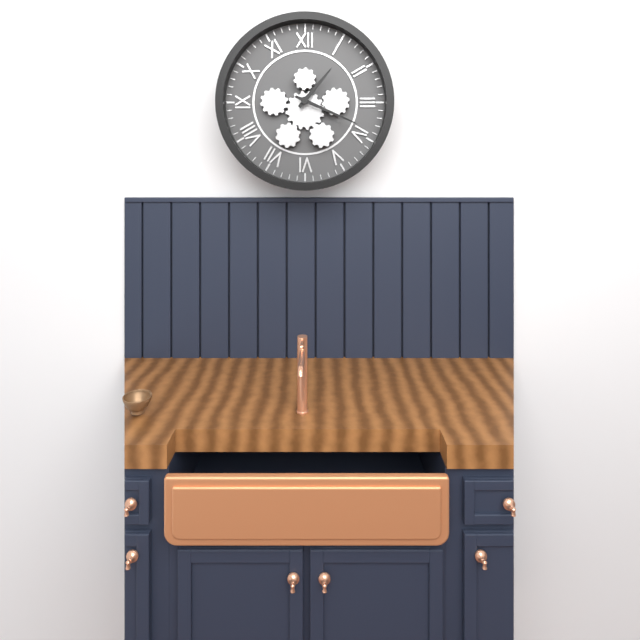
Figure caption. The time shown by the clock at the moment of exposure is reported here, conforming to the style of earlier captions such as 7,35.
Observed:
1,19
